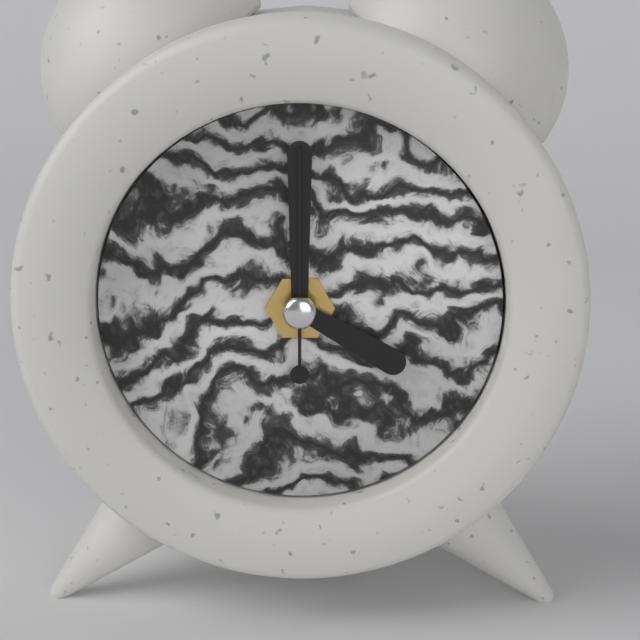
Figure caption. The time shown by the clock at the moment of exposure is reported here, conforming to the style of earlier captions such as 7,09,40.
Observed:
4,00,00
